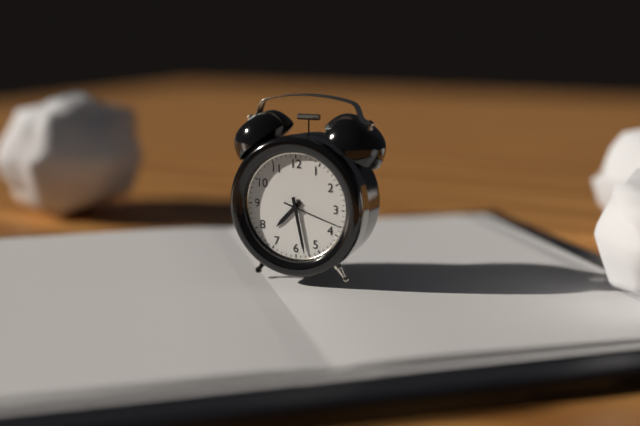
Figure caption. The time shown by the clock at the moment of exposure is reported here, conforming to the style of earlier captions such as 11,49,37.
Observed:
7,28,18
